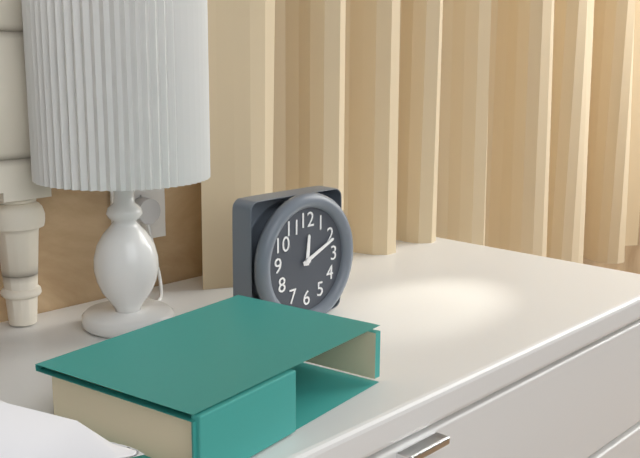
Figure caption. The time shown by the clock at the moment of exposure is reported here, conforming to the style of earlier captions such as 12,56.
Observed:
12,11
